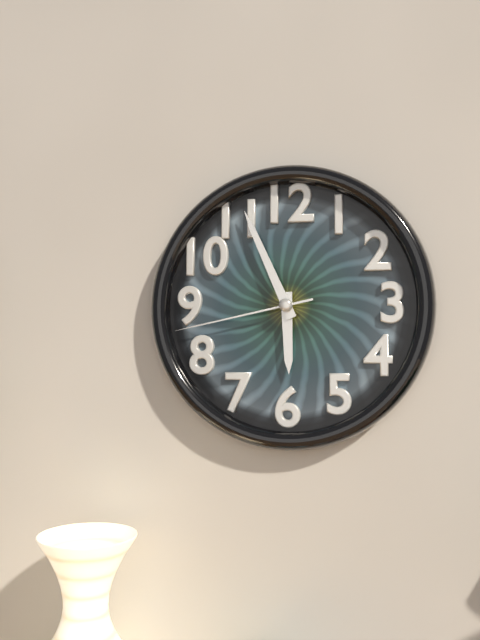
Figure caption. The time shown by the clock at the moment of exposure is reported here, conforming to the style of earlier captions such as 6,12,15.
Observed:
5,56,43
